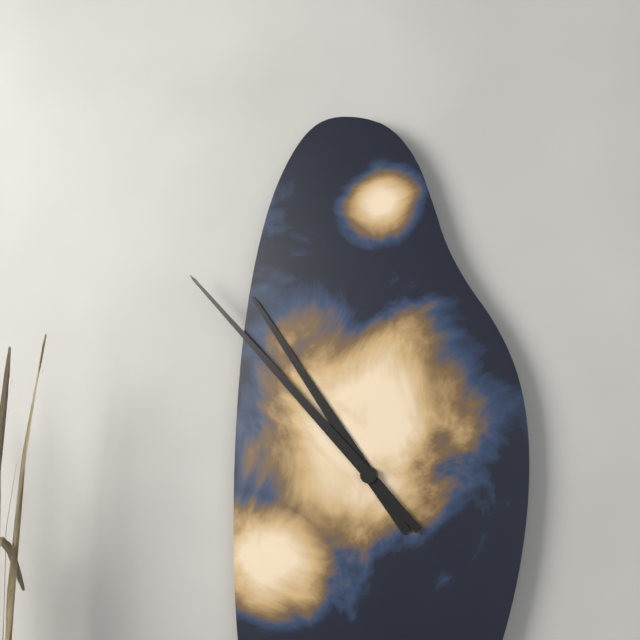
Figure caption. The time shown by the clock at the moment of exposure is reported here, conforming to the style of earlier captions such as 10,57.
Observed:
10,53
